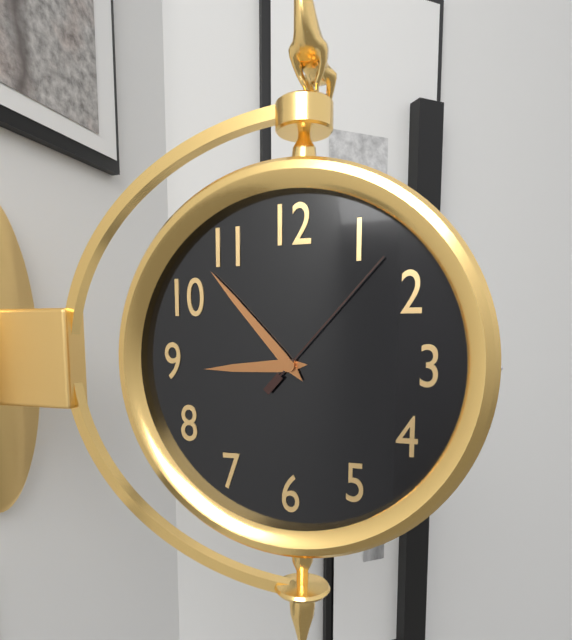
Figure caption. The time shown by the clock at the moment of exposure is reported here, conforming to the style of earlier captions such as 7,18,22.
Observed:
8,53,07
